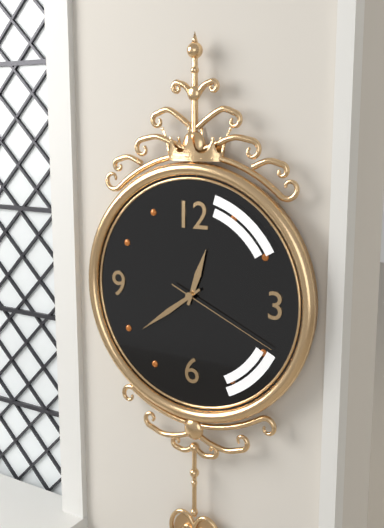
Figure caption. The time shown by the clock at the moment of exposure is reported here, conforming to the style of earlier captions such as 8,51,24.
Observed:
12,39,19
